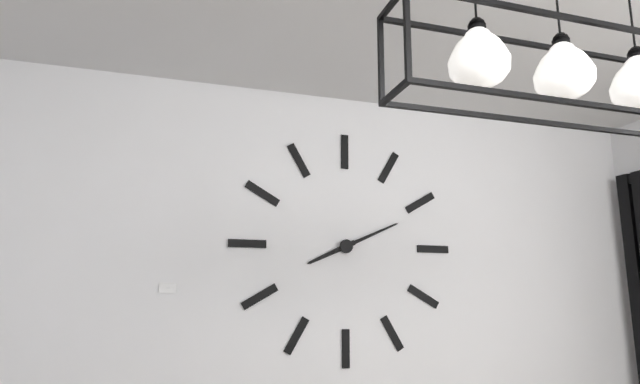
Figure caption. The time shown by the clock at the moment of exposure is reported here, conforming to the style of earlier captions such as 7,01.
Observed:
8,11
